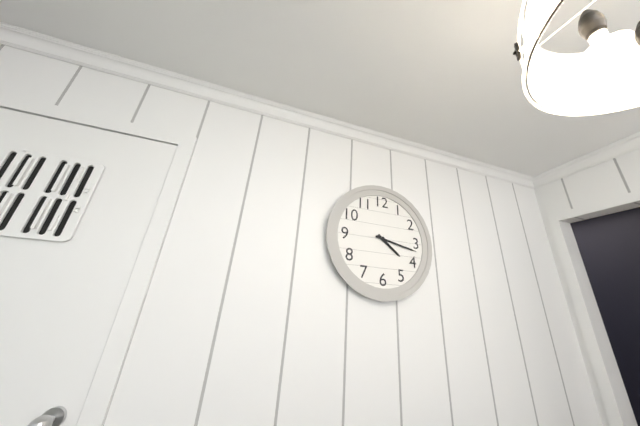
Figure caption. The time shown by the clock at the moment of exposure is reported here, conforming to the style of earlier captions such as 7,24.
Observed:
4,17
